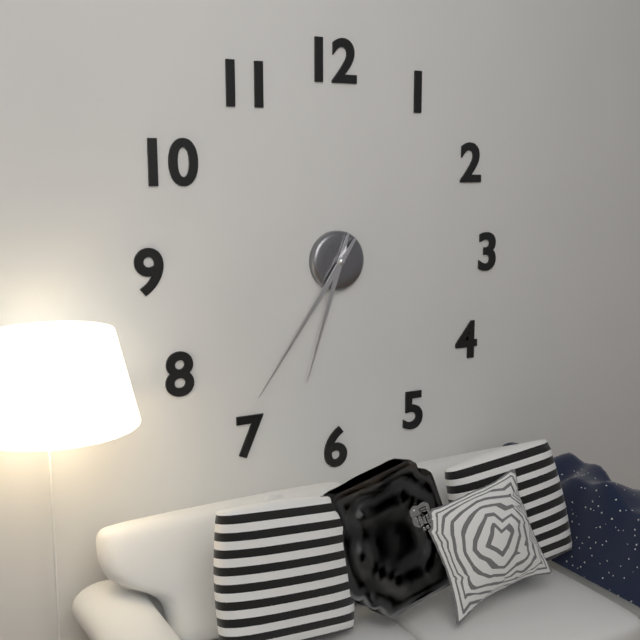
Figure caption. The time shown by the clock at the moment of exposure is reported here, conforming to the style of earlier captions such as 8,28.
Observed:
6,36
